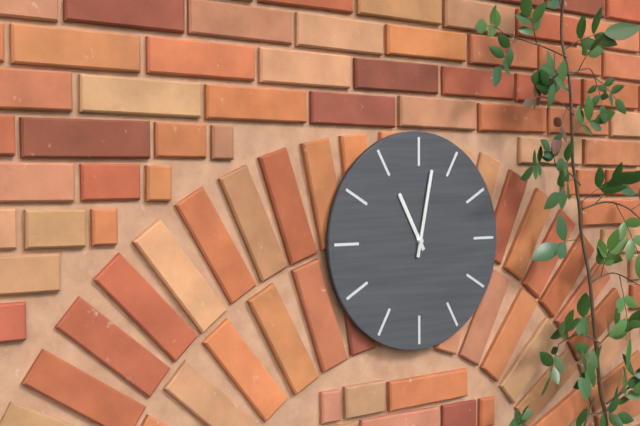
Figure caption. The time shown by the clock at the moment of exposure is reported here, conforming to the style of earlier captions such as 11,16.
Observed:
11,02
